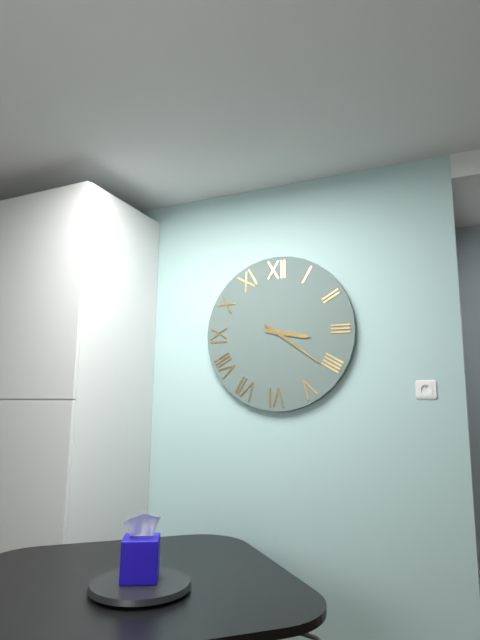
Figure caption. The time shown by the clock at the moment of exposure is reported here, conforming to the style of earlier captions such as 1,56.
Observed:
3,21
